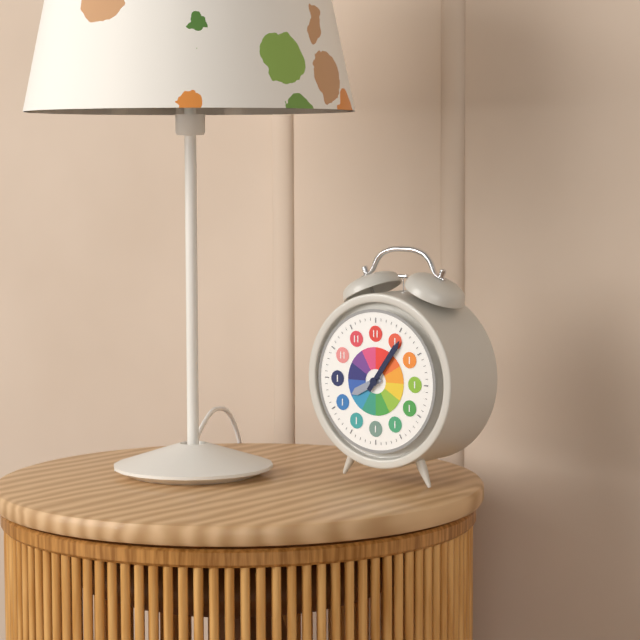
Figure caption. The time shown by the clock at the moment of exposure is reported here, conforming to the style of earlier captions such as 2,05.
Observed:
8,06
